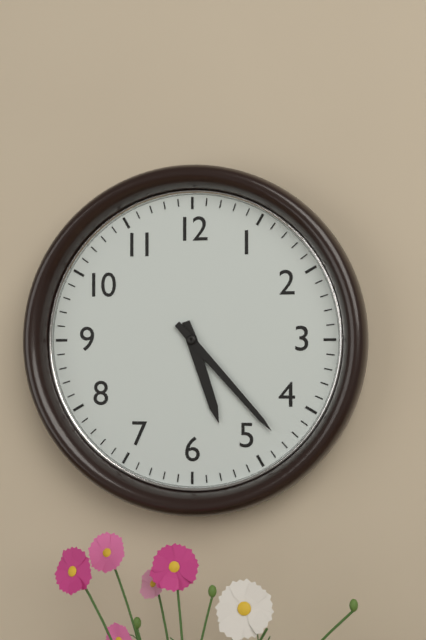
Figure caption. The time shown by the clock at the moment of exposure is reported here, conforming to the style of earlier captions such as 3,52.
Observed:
5,23
